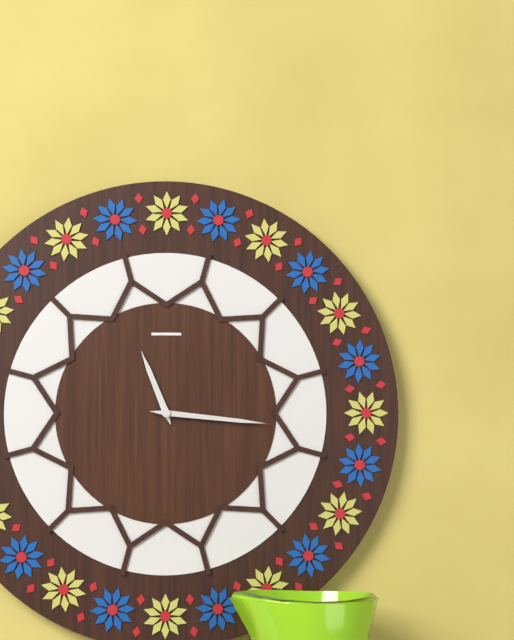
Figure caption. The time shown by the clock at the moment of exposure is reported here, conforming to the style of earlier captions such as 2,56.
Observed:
11,16
